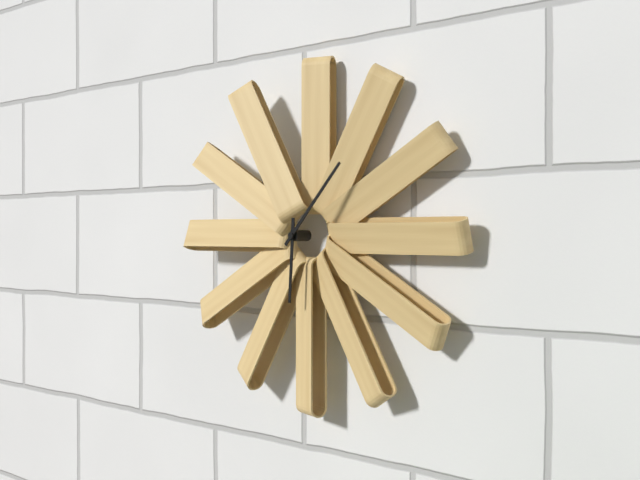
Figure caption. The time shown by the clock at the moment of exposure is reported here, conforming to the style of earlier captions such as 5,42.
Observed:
6,07
